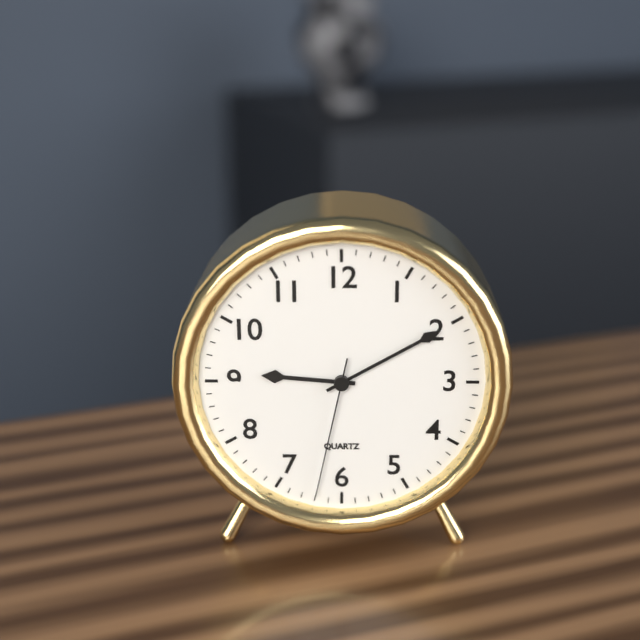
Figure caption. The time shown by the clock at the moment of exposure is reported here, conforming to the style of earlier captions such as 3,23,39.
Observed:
9,10,32
